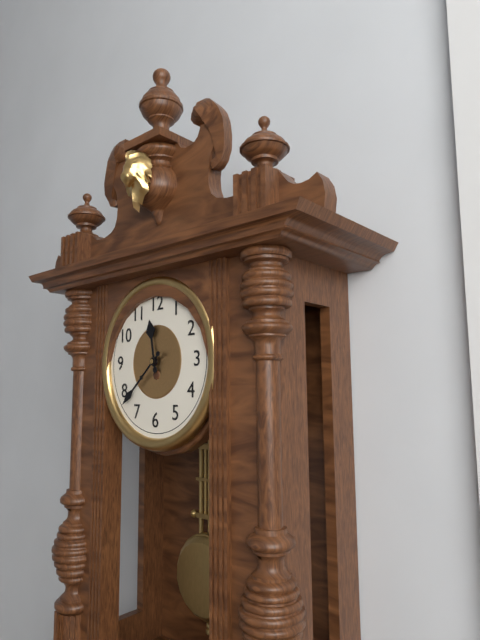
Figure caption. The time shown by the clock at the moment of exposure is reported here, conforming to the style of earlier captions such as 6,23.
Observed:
11,38
